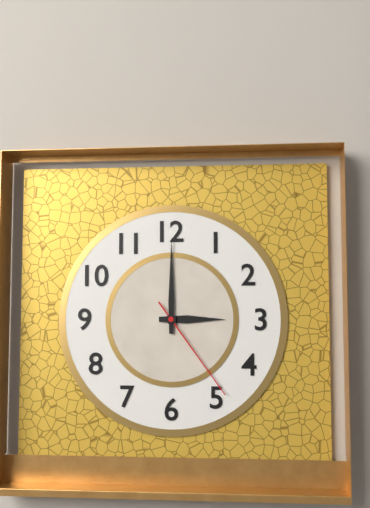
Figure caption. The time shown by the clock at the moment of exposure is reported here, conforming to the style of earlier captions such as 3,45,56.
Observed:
3,00,24
